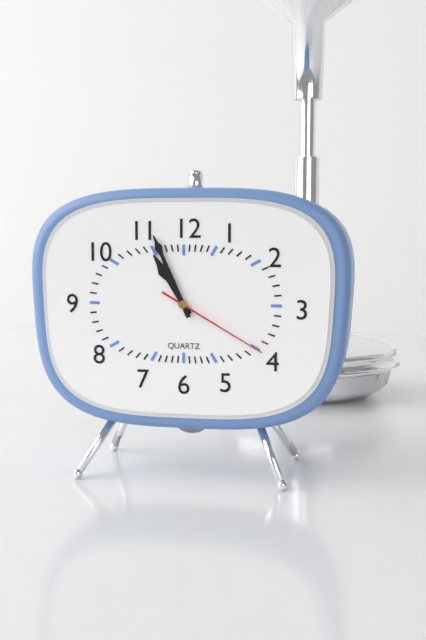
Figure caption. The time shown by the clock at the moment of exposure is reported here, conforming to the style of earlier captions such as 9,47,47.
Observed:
10,56,20
